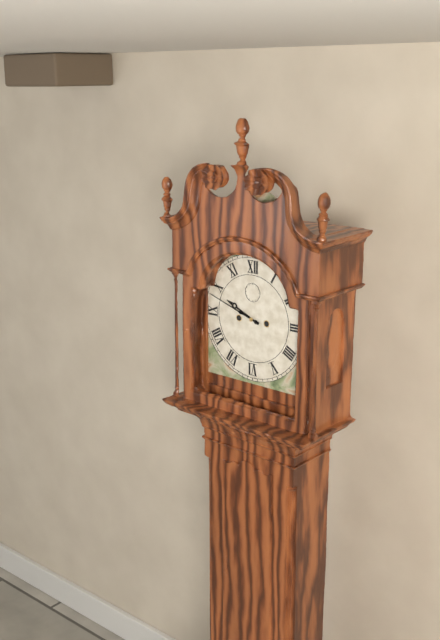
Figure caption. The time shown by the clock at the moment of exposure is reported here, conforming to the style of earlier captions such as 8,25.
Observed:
9,48
